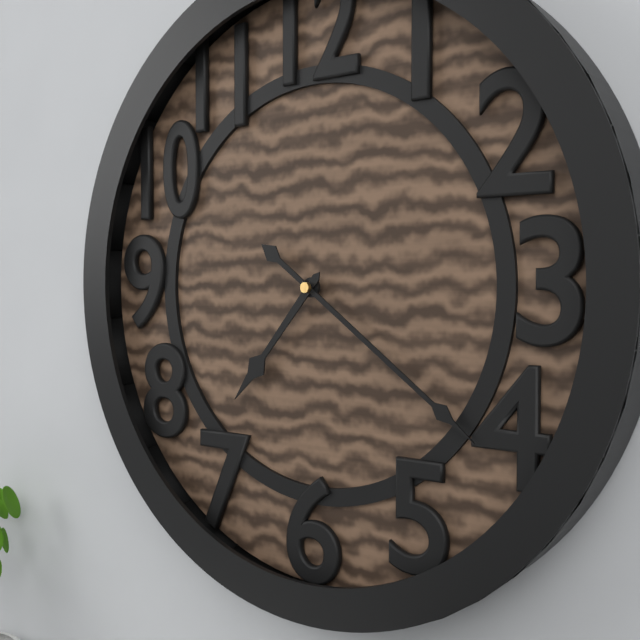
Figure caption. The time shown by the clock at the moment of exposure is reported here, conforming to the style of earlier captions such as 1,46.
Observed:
7,21
